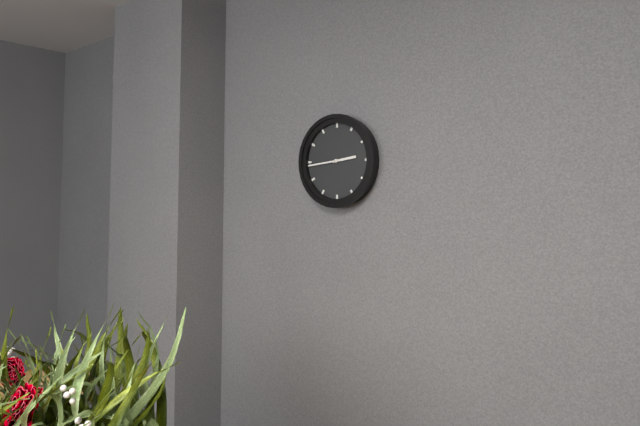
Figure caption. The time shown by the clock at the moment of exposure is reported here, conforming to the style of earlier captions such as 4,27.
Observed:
2,44
